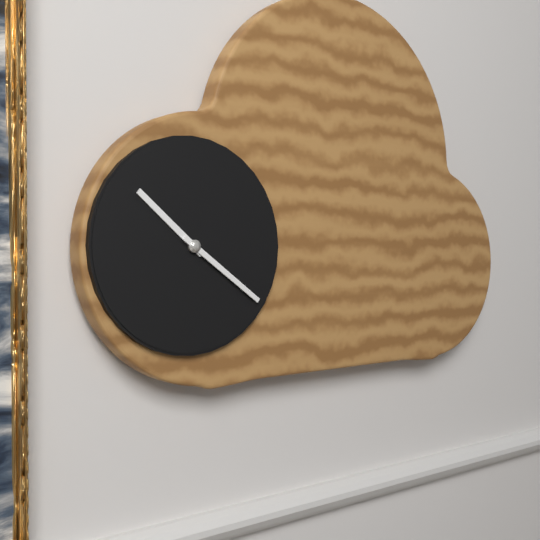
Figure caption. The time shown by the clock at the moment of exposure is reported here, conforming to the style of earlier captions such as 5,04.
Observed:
10,21
